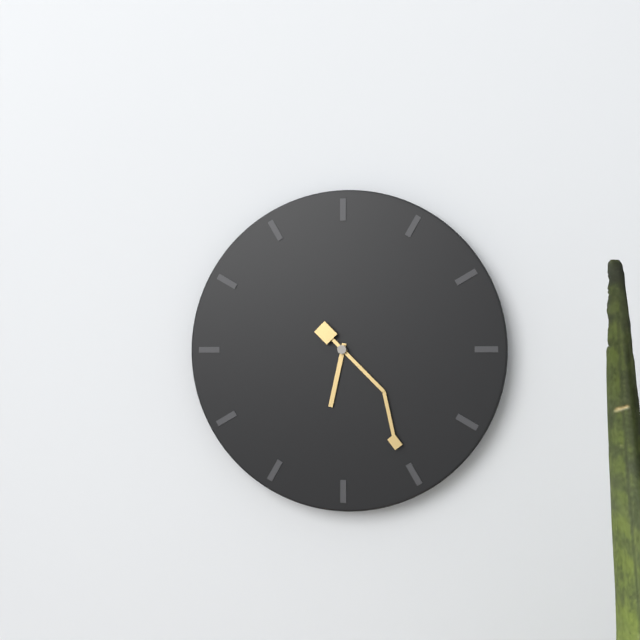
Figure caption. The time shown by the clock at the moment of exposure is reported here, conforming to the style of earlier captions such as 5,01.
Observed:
6,25
